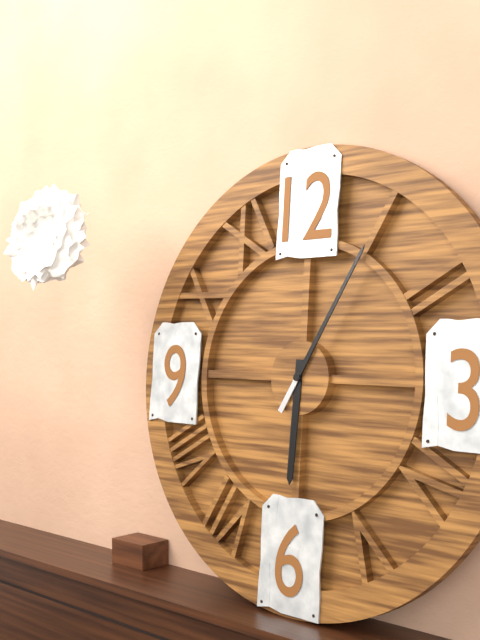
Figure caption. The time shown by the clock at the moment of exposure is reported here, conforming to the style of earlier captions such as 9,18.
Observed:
6,05
